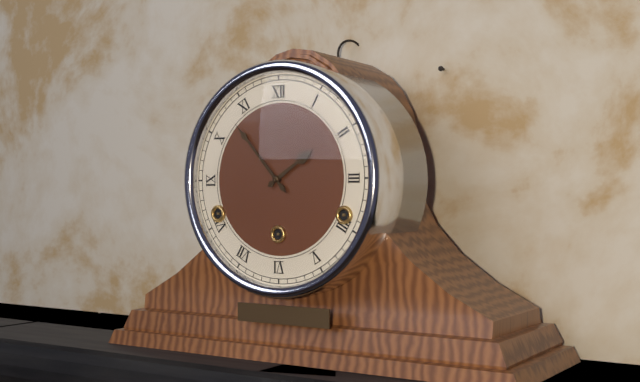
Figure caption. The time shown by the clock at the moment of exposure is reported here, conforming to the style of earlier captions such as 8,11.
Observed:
1,53
